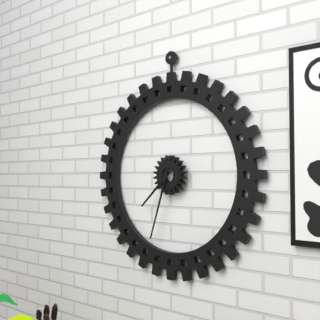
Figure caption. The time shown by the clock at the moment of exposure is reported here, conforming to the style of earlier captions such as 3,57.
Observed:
7,33
